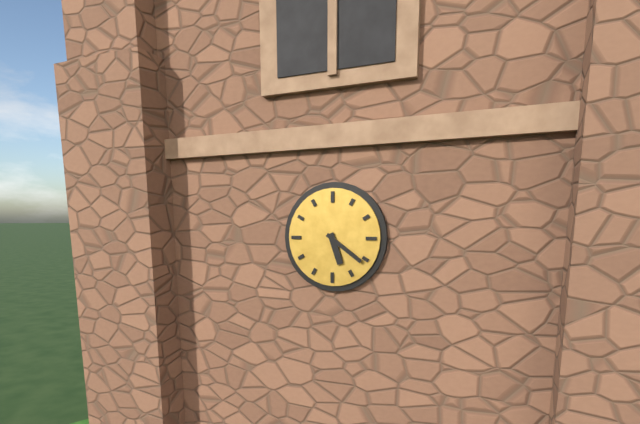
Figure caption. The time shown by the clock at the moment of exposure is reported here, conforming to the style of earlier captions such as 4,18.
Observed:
5,21
